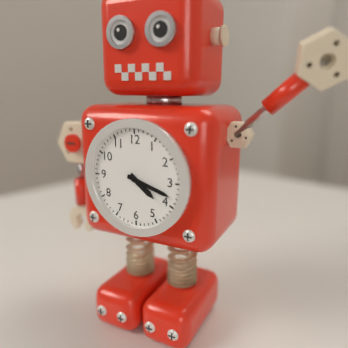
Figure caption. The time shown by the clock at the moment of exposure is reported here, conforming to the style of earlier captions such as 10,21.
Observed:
4,18
